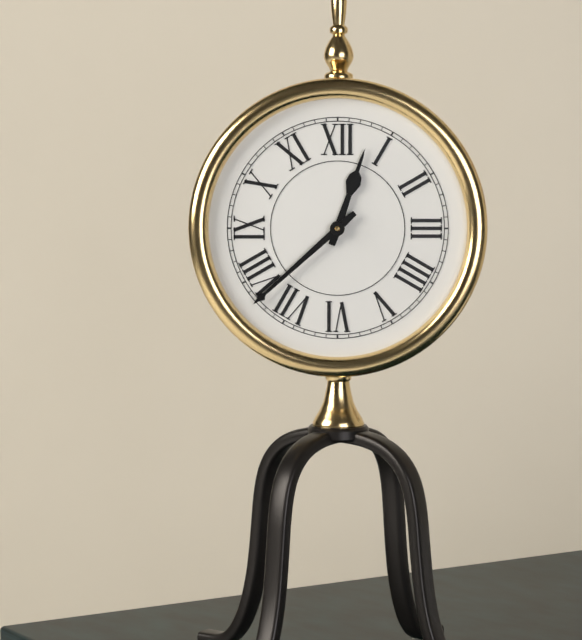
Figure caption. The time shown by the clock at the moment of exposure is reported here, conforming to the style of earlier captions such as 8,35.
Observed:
12,38
